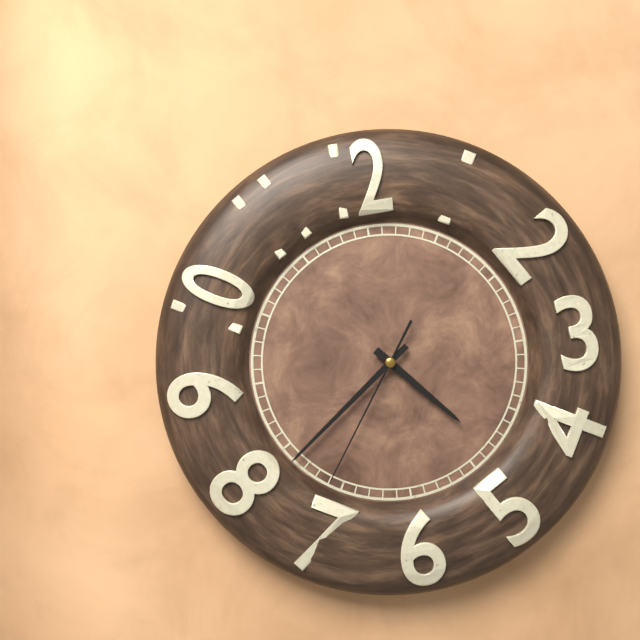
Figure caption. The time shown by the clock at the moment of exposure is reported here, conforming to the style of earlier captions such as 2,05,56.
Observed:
4,39,36
